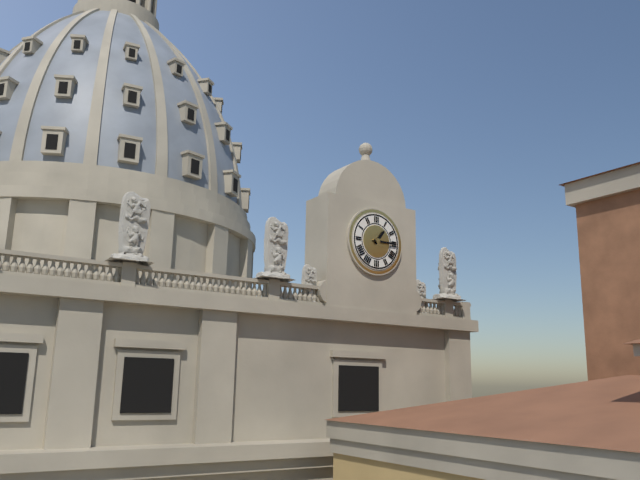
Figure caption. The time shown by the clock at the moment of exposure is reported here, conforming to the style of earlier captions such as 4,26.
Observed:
1,15
